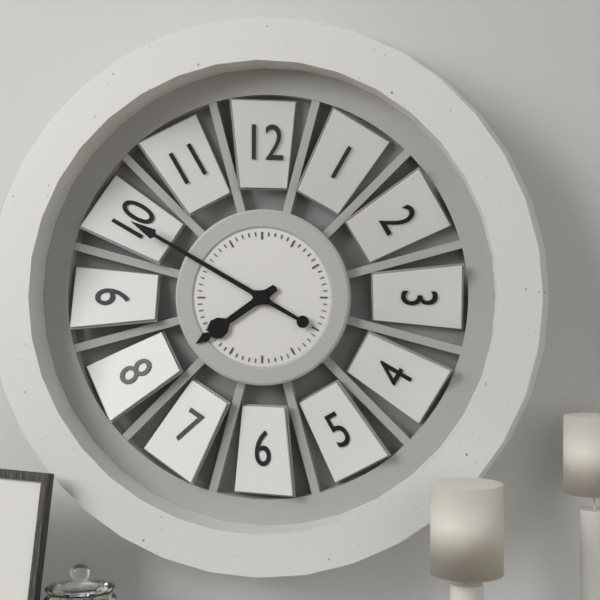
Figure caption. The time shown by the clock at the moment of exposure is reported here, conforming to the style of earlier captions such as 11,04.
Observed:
7,50
